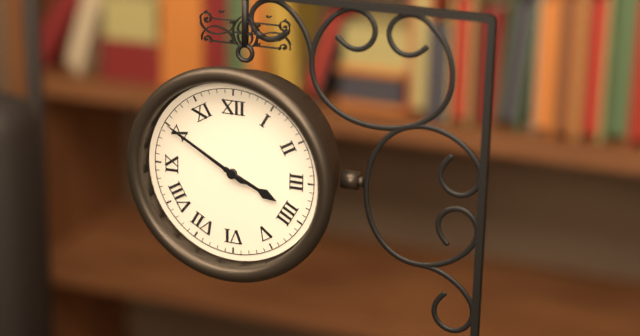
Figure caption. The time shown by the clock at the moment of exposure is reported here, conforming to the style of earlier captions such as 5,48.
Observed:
3,50
